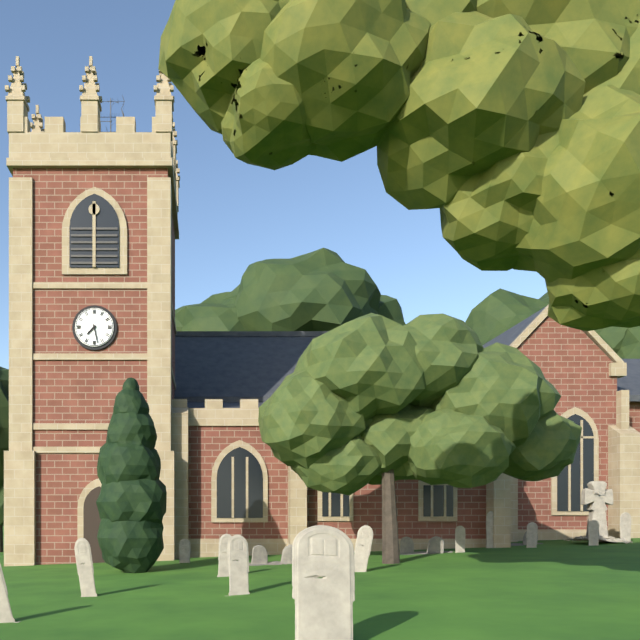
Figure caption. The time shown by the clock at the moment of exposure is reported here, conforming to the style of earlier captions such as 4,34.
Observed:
7,28
